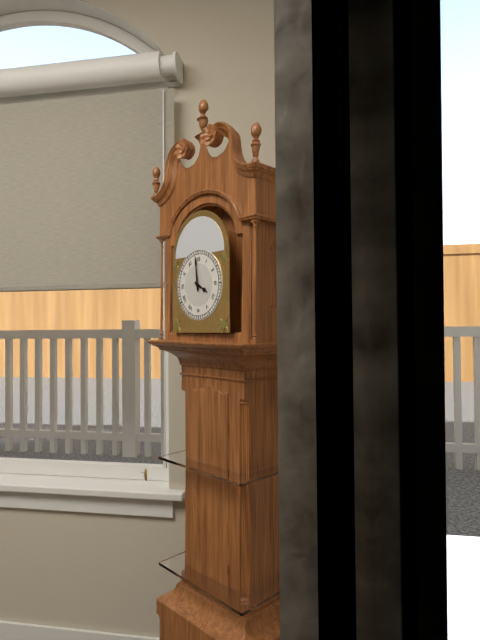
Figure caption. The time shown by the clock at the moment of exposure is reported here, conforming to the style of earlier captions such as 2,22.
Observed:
3,59
